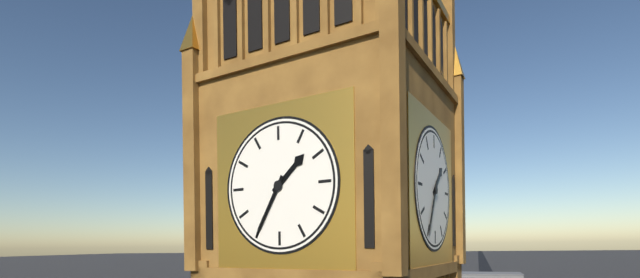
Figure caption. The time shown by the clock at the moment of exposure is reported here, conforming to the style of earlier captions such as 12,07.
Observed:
1,35
